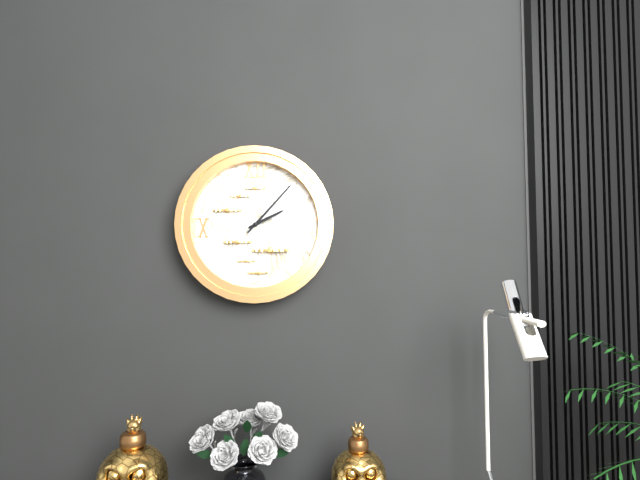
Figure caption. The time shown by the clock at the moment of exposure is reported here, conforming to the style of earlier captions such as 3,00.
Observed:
2,07
